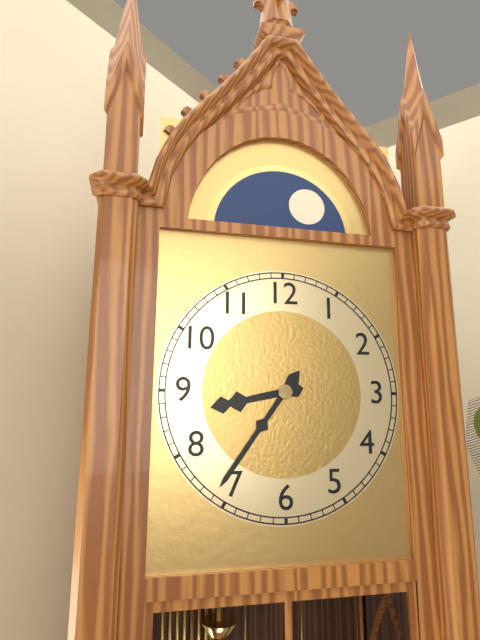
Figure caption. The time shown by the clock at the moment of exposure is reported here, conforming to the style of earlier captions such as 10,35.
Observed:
8,36
